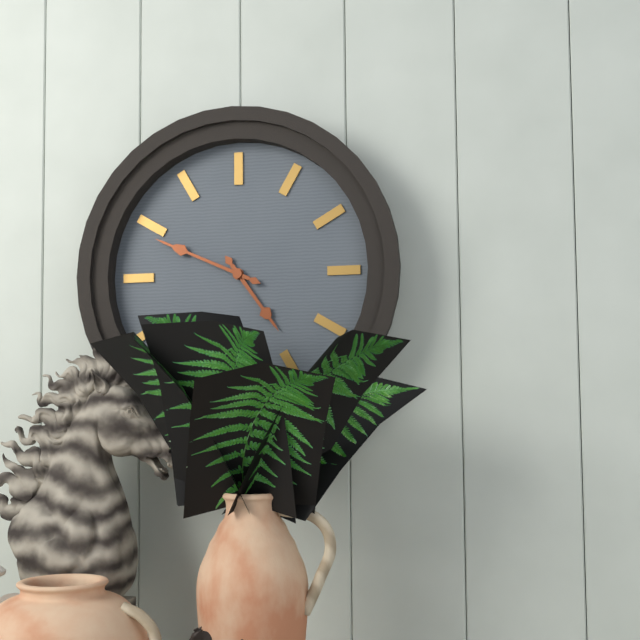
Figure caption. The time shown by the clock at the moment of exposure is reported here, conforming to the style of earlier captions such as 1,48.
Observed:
4,49
